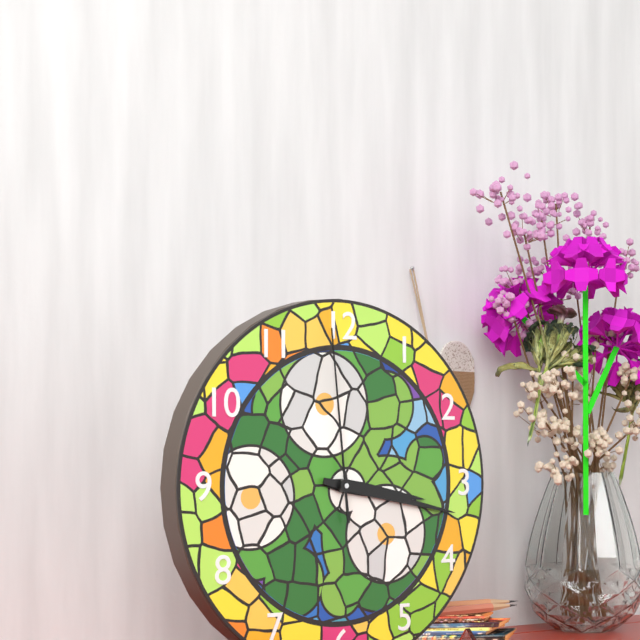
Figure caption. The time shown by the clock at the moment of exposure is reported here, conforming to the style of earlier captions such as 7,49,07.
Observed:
3,17,59
